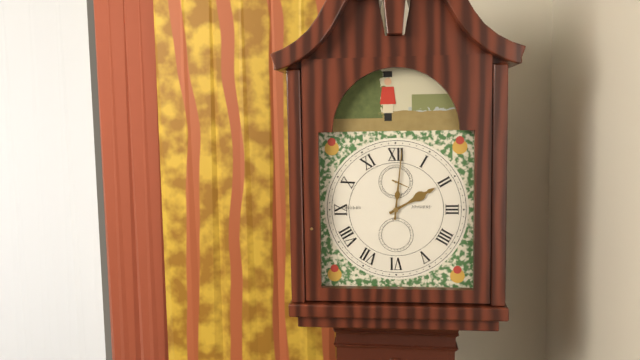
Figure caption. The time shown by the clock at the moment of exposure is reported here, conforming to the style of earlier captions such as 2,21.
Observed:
2,01
